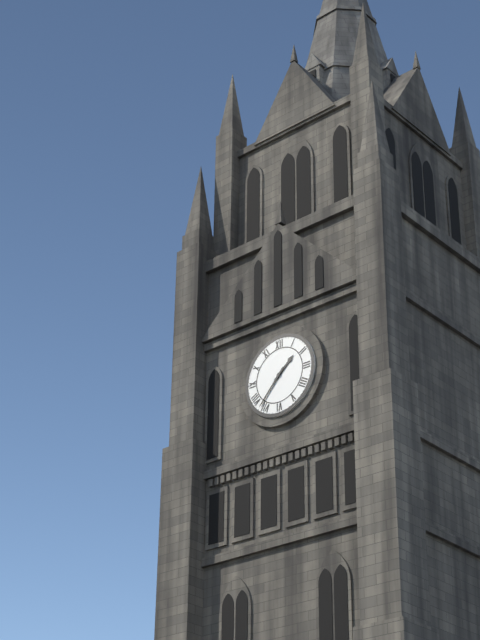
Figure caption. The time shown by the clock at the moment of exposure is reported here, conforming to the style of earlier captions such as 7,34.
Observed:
1,37
